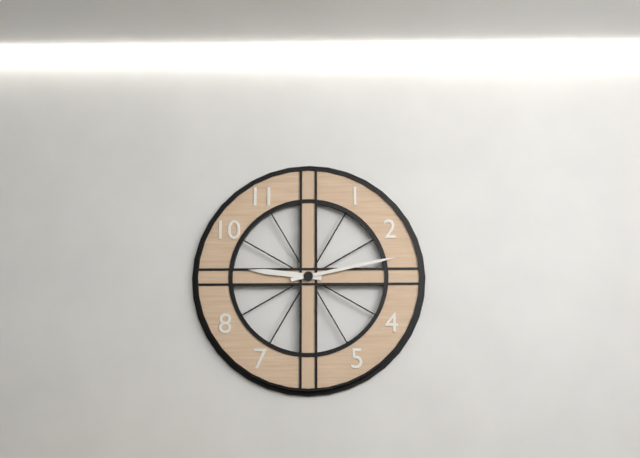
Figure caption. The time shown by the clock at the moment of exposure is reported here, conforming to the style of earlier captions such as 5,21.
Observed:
9,13
